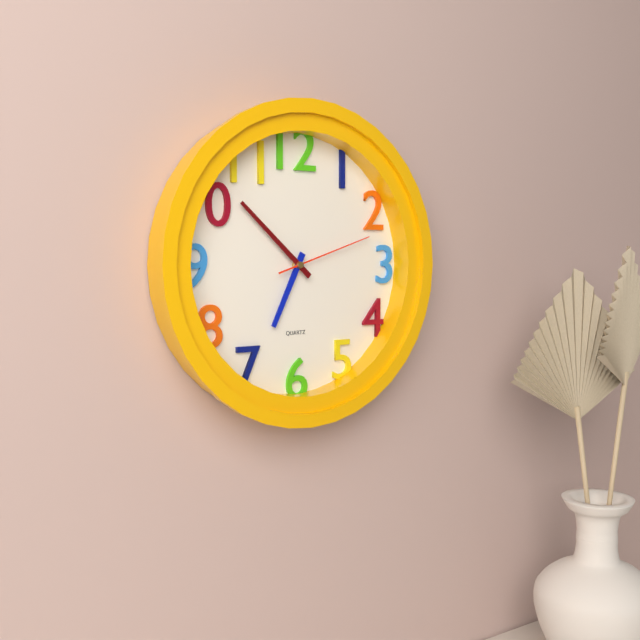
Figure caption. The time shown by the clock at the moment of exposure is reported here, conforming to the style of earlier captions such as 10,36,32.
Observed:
6,52,12
